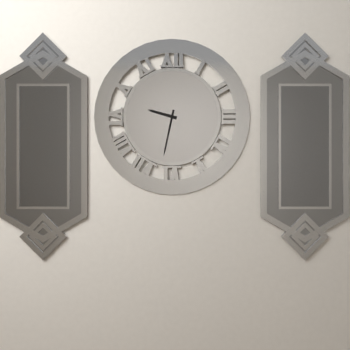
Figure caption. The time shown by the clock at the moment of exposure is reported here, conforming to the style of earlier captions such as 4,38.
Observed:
9,32
